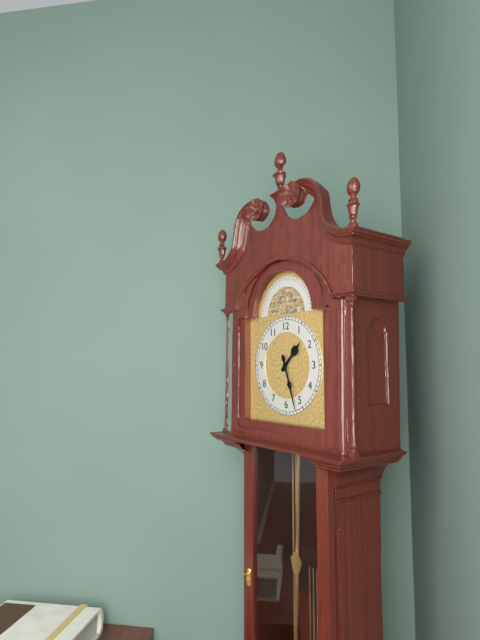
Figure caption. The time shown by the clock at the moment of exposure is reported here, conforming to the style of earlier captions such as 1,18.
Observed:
1,27
